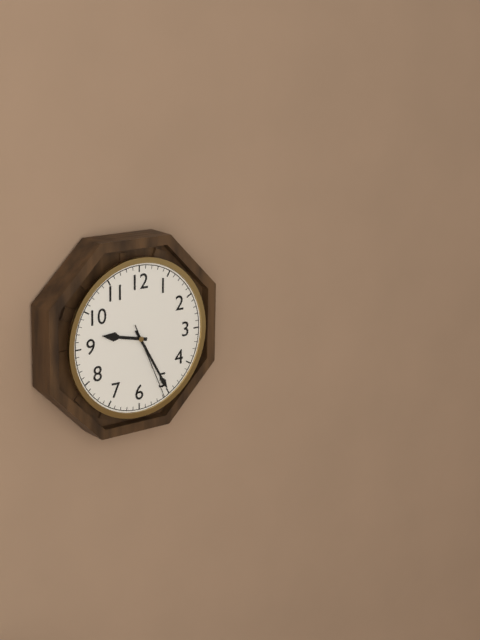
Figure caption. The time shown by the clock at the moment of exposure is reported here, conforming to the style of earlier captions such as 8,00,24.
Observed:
9,25,26
